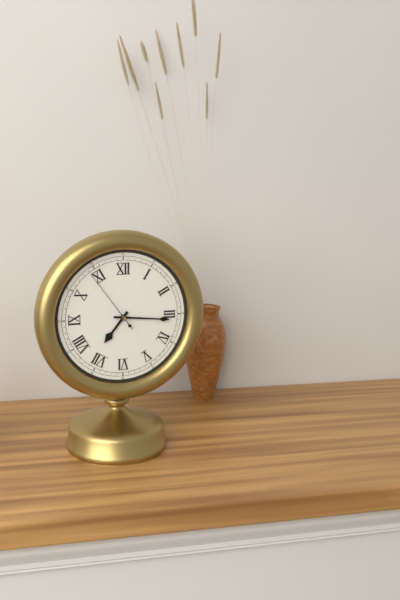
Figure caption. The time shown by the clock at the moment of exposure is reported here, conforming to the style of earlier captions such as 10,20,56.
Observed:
7,16,54
